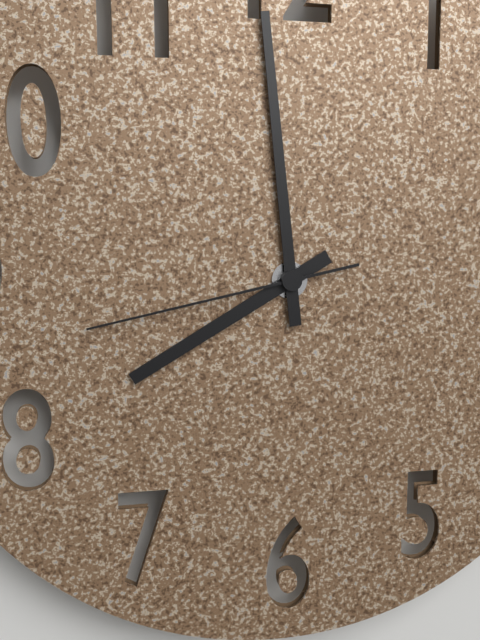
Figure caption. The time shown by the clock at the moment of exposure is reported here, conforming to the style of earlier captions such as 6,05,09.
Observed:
7,59,43
